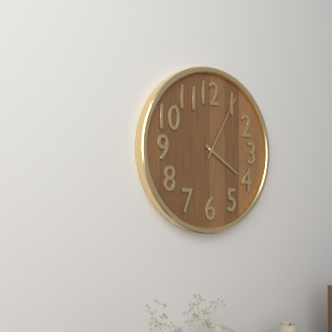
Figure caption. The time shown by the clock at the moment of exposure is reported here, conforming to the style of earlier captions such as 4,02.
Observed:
4,05
